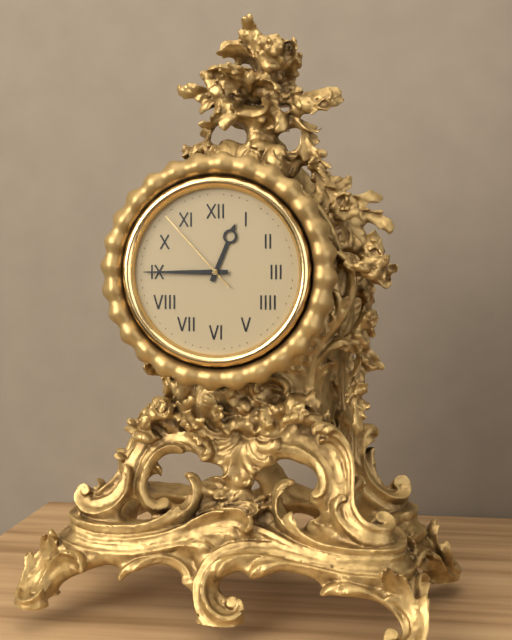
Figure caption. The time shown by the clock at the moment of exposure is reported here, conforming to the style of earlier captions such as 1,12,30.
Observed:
12,45,53
